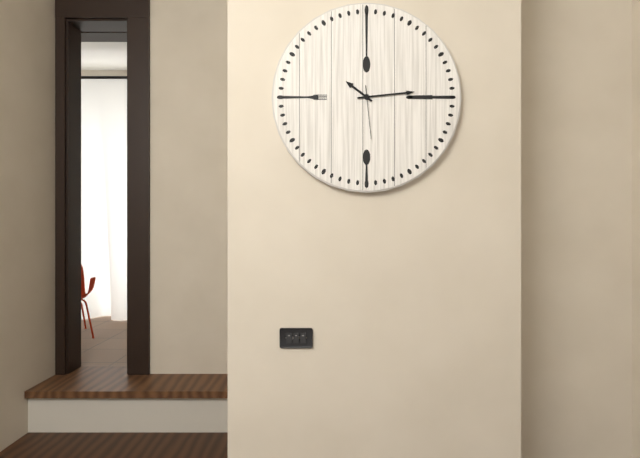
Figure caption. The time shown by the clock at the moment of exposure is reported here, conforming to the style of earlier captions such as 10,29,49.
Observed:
10,14,29
